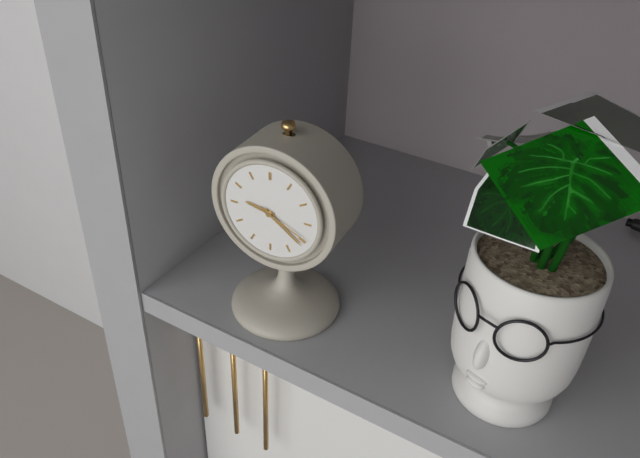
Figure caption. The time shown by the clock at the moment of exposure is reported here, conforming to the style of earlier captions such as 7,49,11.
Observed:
9,21,19
